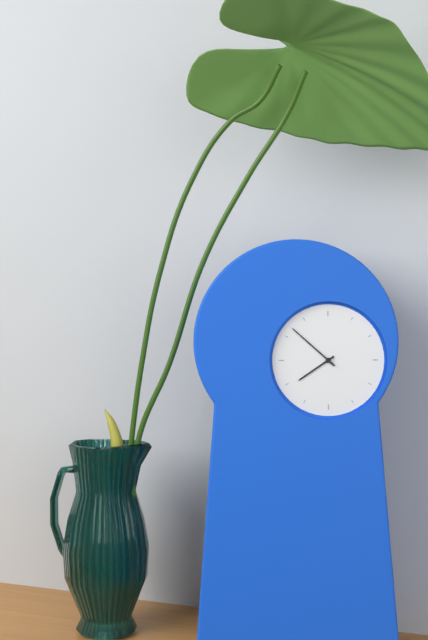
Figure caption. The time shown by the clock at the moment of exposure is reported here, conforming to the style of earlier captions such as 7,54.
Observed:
7,52
